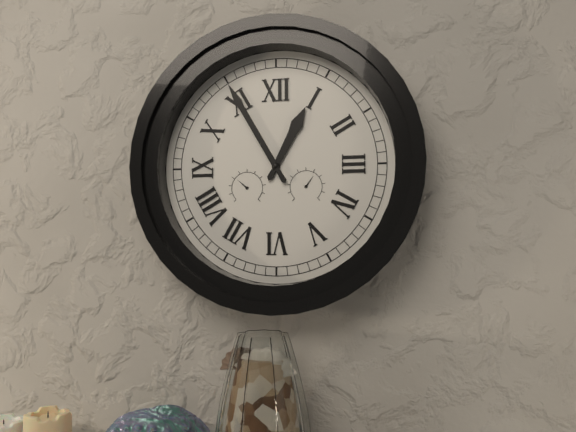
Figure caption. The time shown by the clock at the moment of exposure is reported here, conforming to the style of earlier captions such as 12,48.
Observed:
12,55
